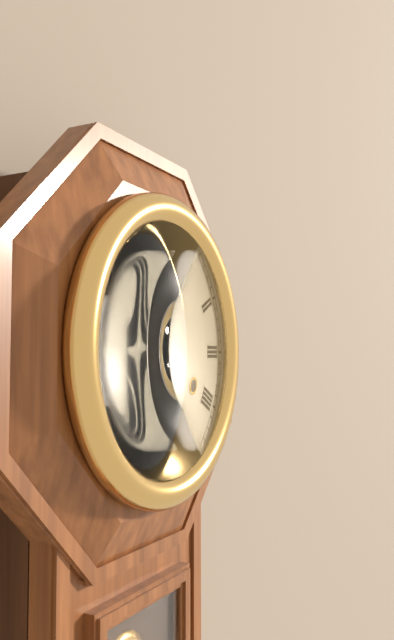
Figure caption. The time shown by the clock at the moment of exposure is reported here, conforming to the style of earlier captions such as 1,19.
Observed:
8,00
